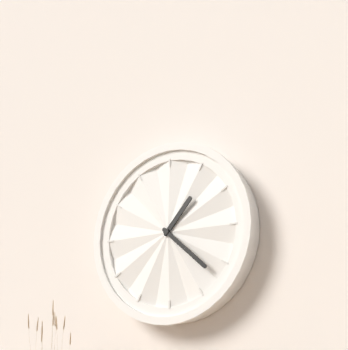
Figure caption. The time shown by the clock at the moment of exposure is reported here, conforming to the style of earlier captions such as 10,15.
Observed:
1,22
